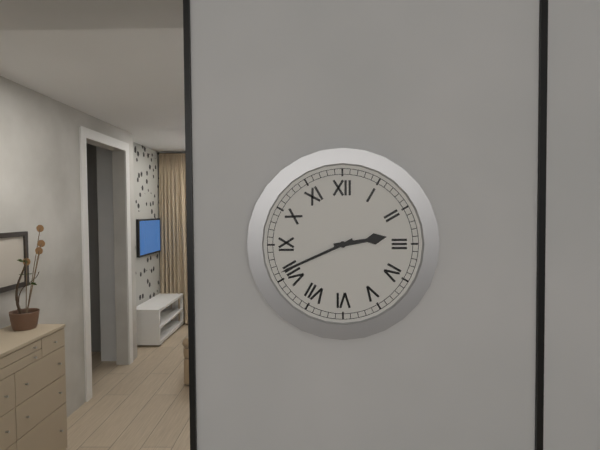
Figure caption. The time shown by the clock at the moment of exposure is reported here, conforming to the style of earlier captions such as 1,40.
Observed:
2,41
